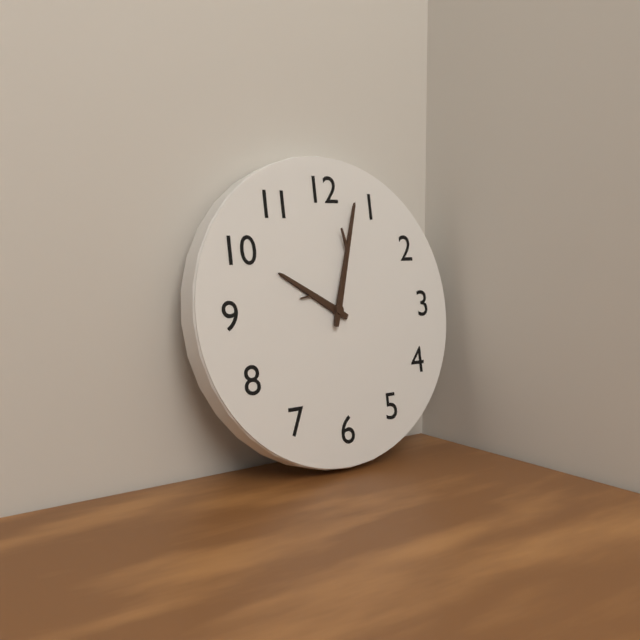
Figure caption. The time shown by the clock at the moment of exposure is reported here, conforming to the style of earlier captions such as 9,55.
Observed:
10,03
